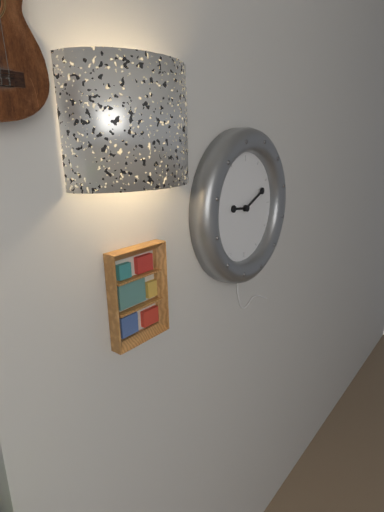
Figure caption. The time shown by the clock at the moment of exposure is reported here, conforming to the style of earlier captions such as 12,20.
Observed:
9,11
